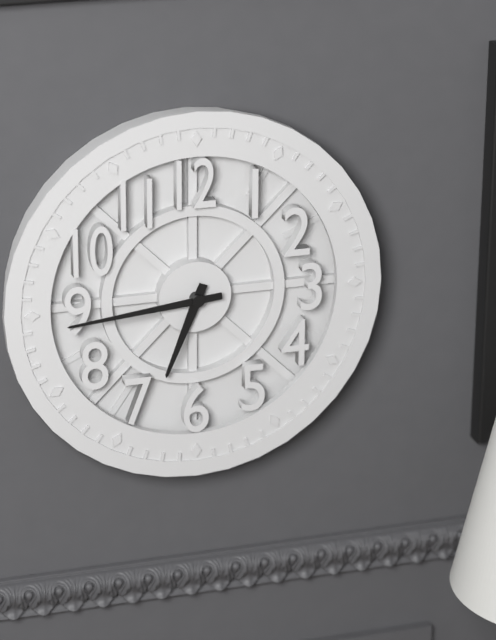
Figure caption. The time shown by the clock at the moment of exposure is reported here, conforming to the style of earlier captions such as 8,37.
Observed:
6,44
